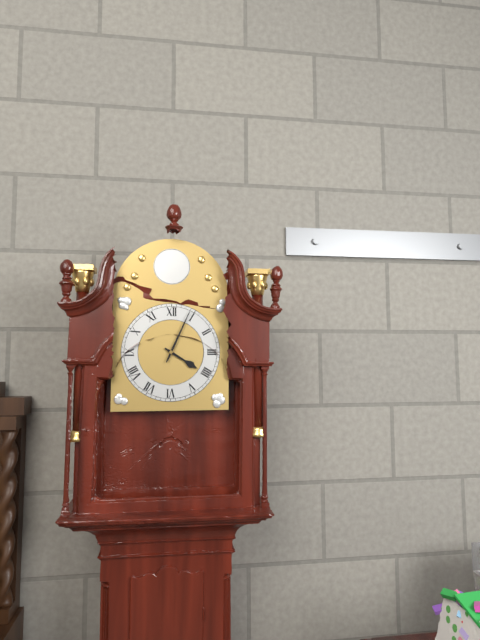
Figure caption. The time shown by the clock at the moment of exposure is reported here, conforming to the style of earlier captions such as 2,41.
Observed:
4,04
